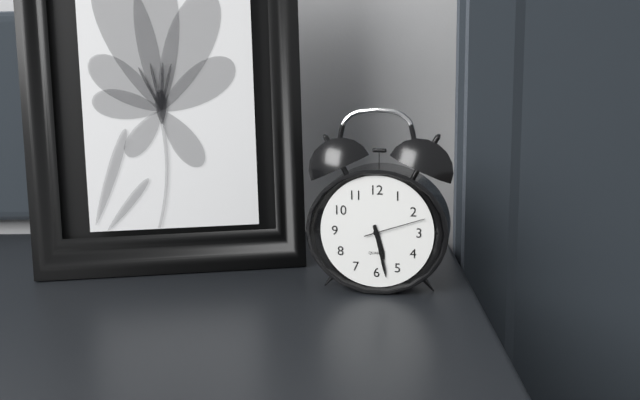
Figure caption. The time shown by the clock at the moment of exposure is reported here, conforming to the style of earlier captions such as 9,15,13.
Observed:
5,28,12
